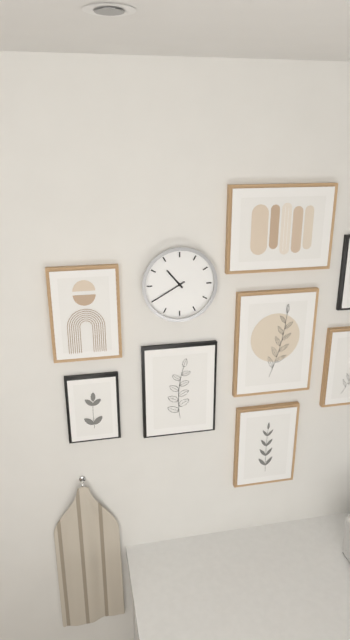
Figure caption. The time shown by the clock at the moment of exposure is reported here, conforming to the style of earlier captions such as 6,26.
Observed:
10,40
